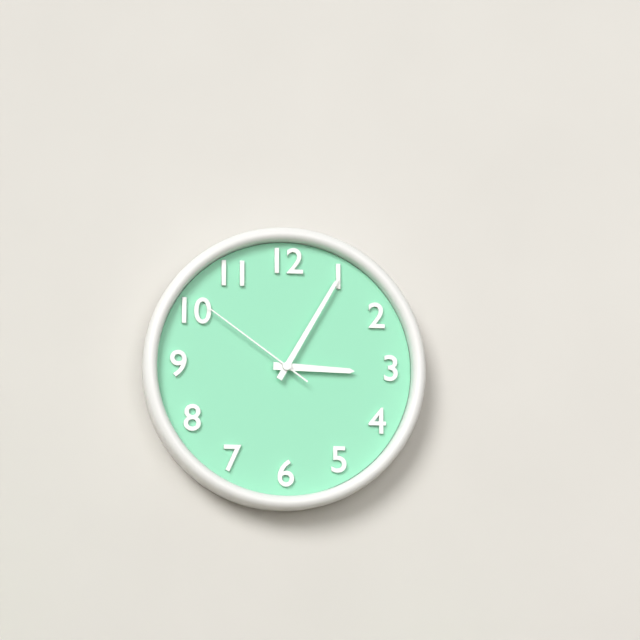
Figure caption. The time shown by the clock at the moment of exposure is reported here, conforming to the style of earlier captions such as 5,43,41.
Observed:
3,05,51
